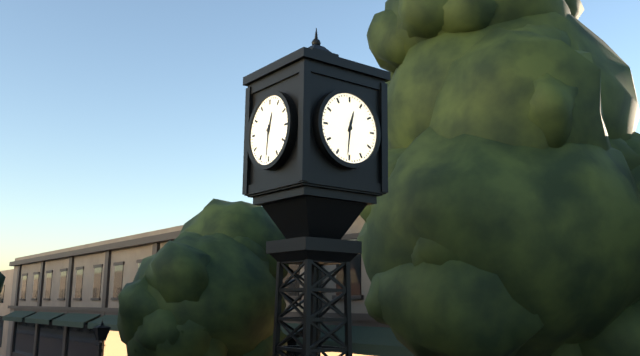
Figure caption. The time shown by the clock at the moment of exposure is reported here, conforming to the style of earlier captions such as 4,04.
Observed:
12,31
